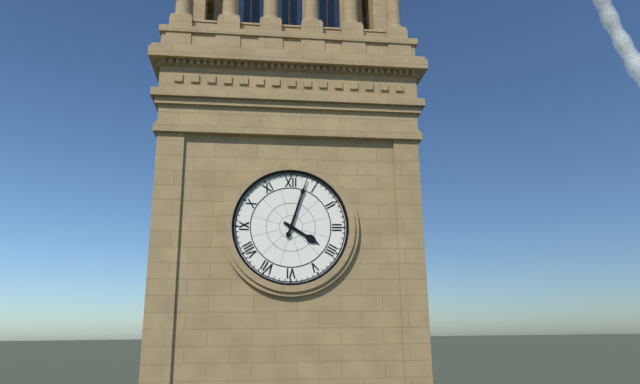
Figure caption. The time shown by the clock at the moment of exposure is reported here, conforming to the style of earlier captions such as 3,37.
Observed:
4,03
